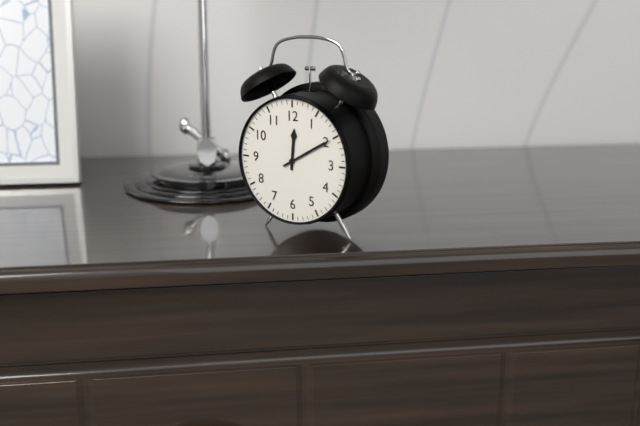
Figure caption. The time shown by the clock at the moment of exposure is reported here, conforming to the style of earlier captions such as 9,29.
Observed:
12,10
